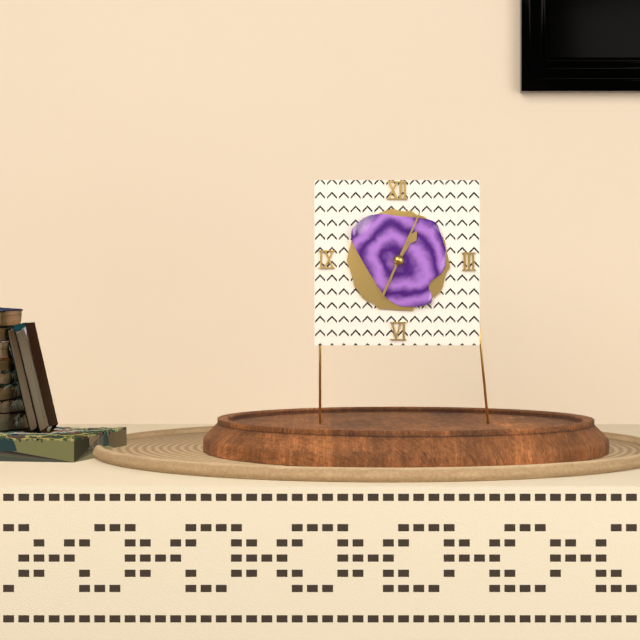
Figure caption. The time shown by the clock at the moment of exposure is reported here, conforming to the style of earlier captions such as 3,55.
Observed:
1,04
